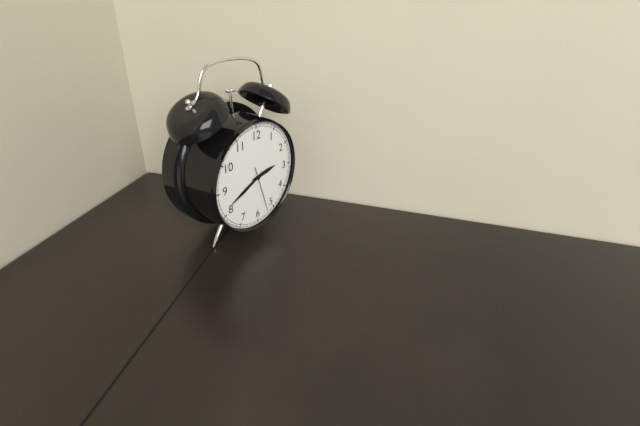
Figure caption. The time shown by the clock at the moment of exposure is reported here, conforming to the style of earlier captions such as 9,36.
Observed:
2,41
